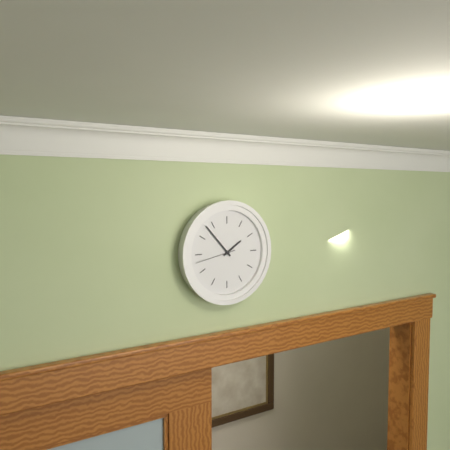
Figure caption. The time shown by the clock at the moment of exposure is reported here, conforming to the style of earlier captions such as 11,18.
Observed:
1,53
